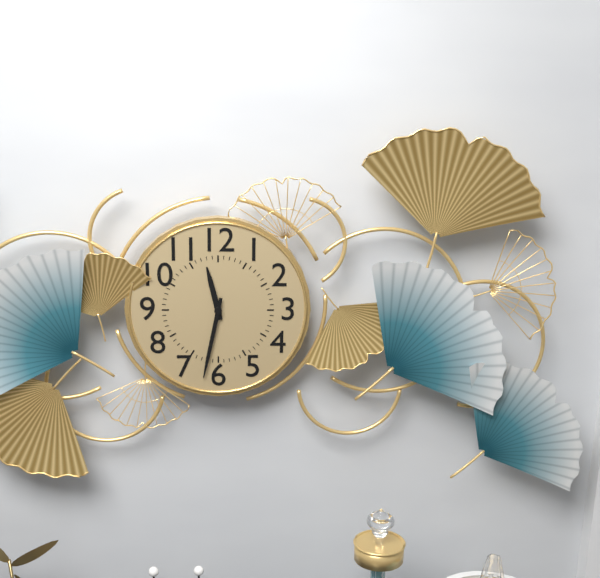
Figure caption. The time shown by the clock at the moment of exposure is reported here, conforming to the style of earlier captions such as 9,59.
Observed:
11,32
